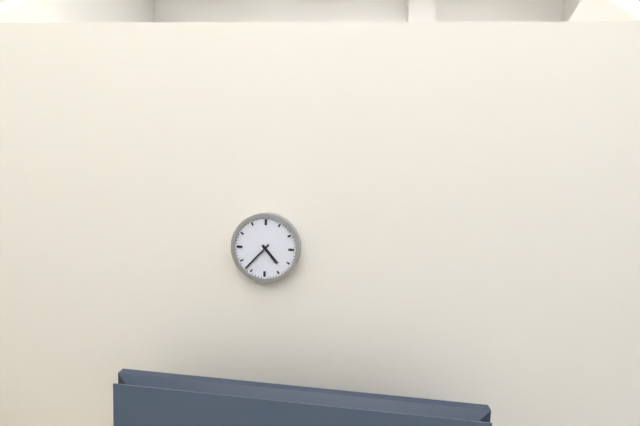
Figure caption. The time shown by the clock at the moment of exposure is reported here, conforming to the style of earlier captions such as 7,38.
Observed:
4,37
